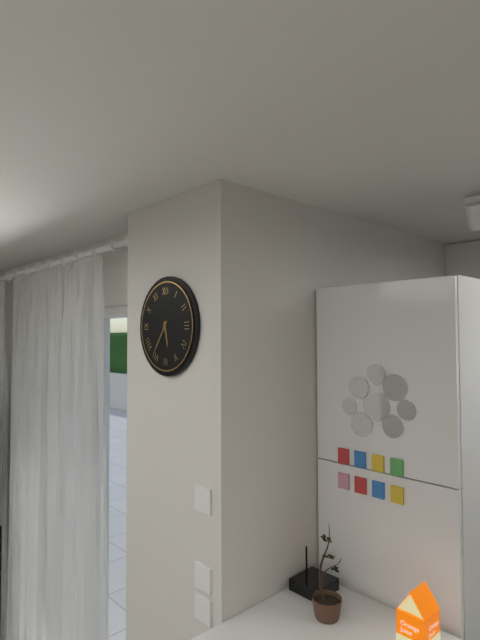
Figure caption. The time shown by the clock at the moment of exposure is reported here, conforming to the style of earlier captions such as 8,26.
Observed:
5,36
